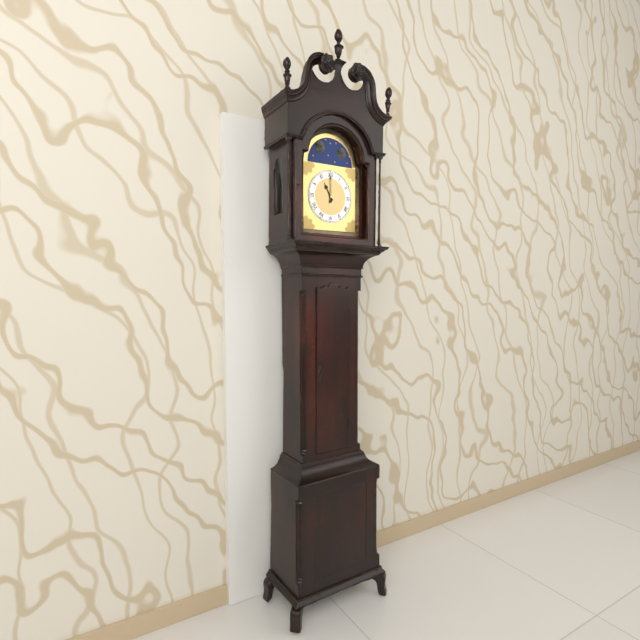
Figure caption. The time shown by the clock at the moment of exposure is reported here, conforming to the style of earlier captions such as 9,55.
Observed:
11,00
